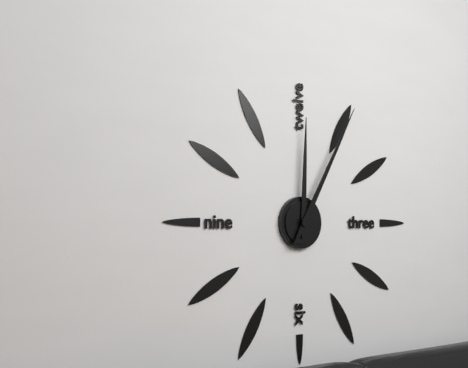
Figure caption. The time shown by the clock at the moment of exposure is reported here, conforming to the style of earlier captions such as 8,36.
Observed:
12,05
